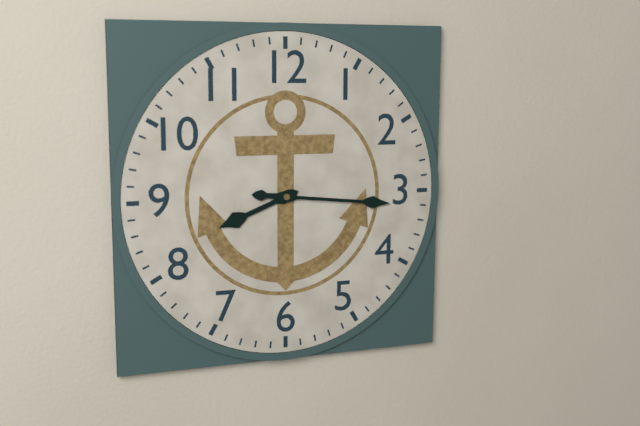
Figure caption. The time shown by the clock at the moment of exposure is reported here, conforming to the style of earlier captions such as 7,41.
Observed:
8,16
